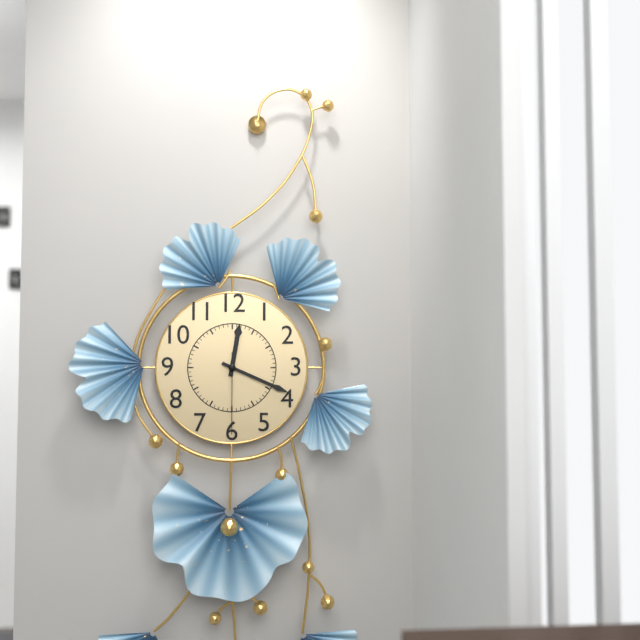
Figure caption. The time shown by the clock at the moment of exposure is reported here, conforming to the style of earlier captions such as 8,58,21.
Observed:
12,19,30
